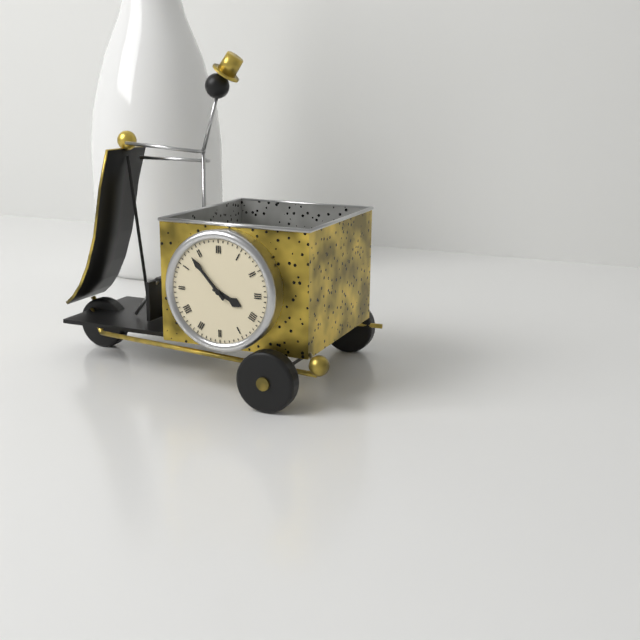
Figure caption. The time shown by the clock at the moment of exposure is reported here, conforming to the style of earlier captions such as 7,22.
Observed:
3,53
